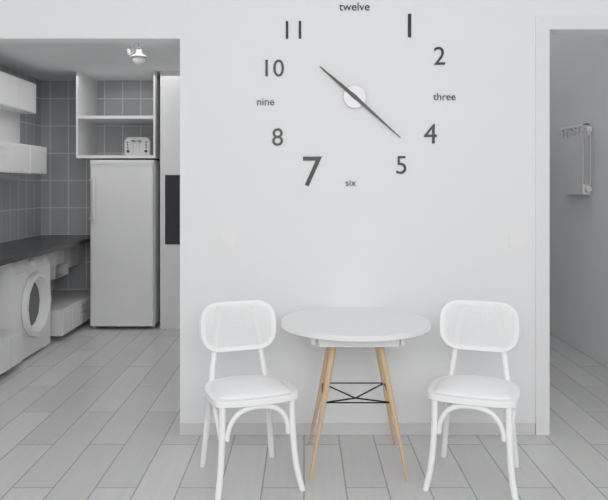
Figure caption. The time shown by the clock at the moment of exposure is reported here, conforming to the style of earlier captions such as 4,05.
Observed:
10,22
